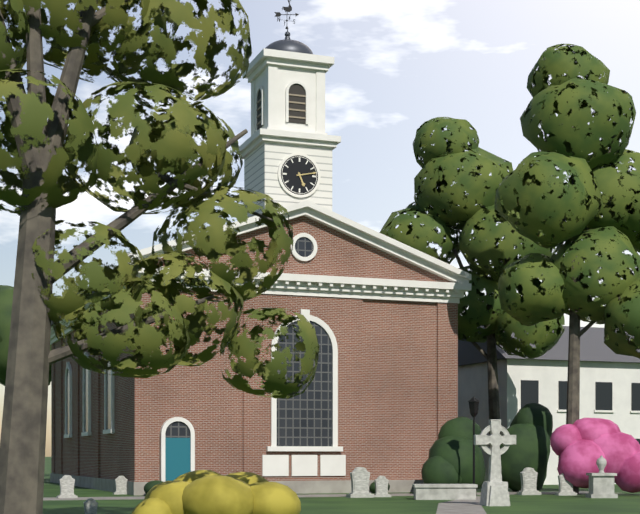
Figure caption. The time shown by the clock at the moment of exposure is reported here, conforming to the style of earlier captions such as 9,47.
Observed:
5,13
